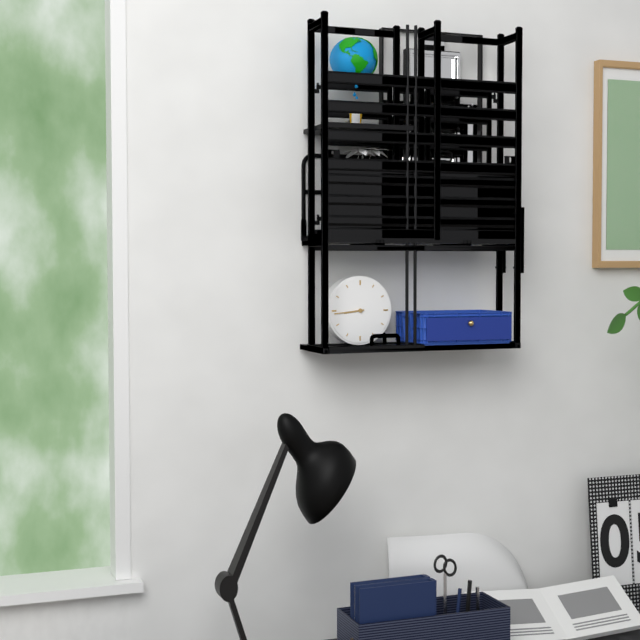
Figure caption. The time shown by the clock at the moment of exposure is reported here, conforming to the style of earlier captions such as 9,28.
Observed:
8,44
